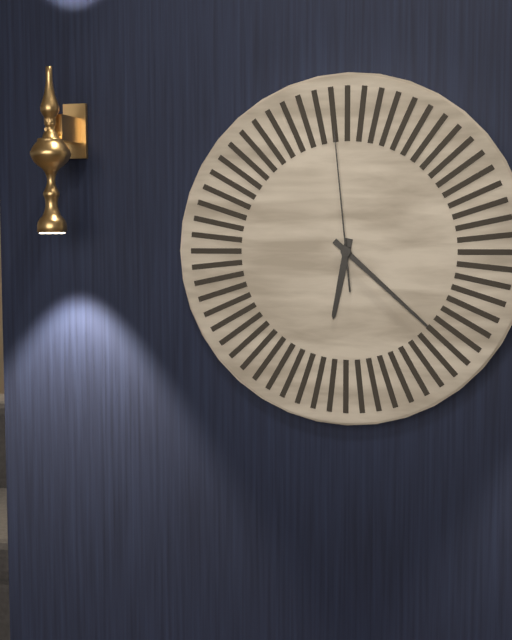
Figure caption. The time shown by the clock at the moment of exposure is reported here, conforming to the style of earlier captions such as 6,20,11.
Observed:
6,22,59
